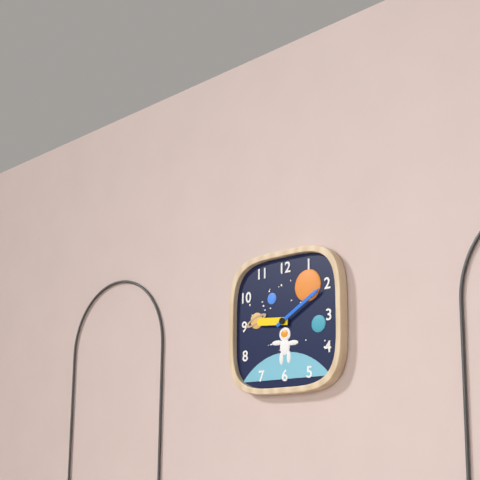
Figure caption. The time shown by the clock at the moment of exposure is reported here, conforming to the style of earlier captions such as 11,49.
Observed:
9,10
